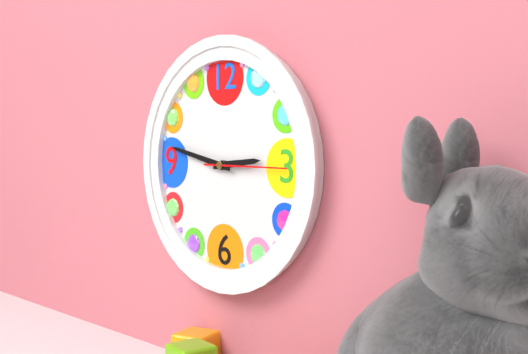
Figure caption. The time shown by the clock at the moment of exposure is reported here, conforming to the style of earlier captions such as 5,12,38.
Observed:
2,47,15
